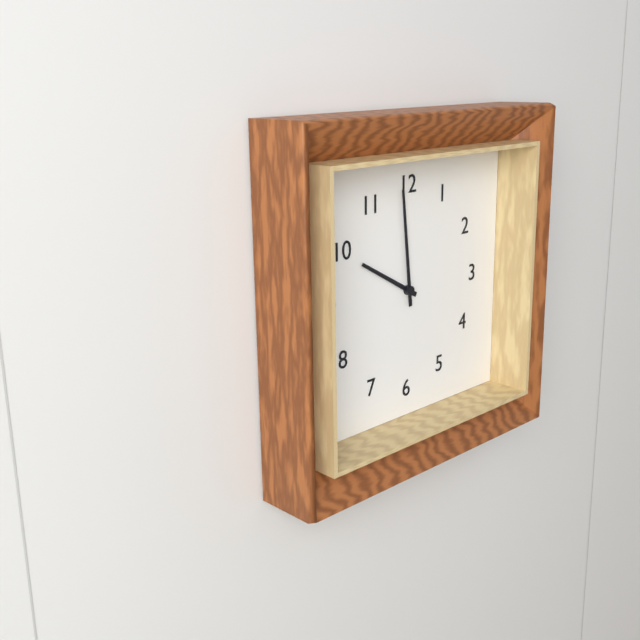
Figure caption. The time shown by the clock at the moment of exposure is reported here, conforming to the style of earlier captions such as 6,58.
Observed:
9,59
